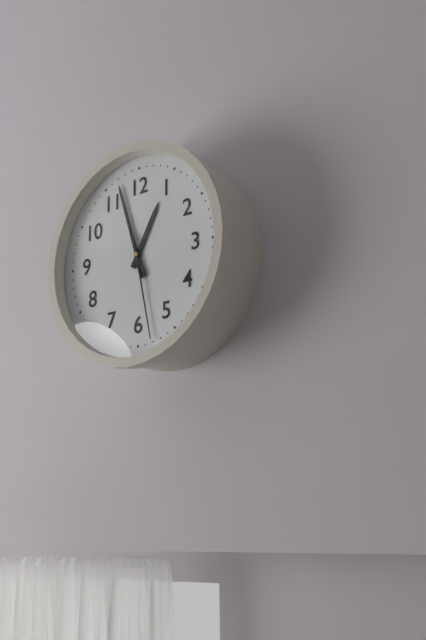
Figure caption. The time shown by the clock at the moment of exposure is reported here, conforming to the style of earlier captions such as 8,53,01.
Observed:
12,57,28
